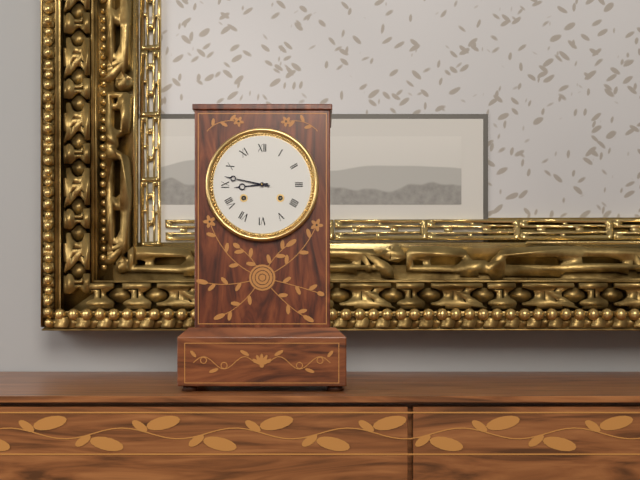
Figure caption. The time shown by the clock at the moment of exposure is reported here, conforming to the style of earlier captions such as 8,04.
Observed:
8,47
